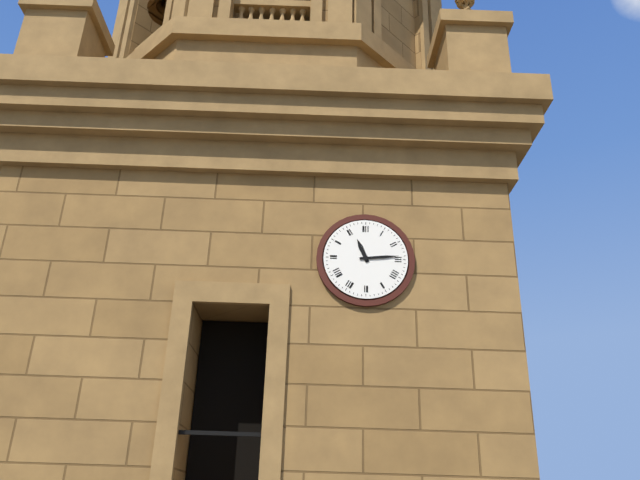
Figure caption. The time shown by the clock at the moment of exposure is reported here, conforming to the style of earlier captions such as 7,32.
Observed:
11,14
